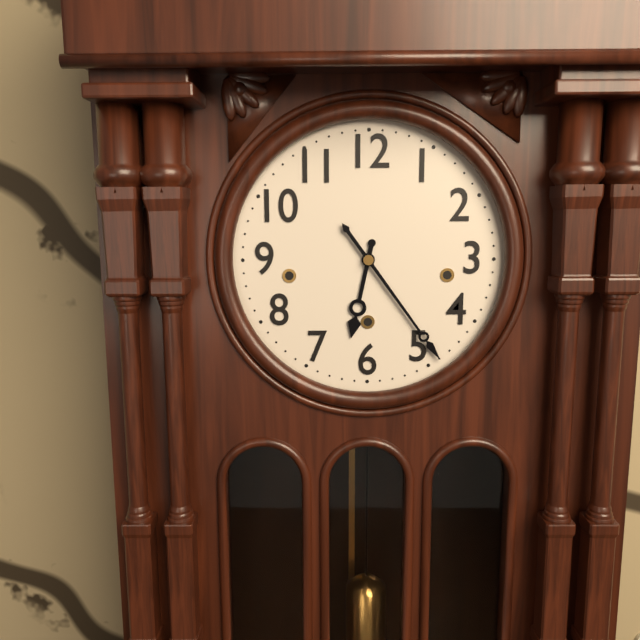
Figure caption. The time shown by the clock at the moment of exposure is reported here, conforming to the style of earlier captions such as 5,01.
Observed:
6,24
